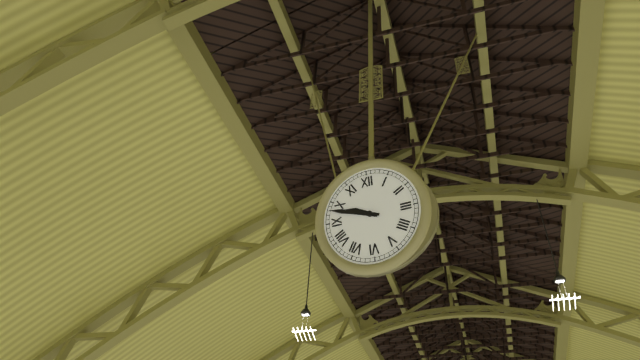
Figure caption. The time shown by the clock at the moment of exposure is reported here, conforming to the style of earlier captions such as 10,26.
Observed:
9,48
